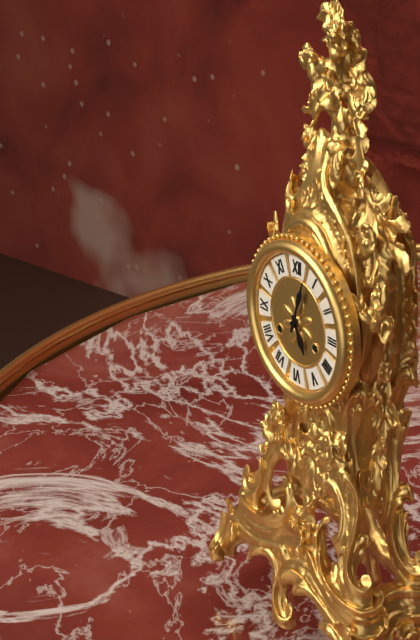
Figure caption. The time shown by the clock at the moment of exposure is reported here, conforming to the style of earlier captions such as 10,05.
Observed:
5,03
